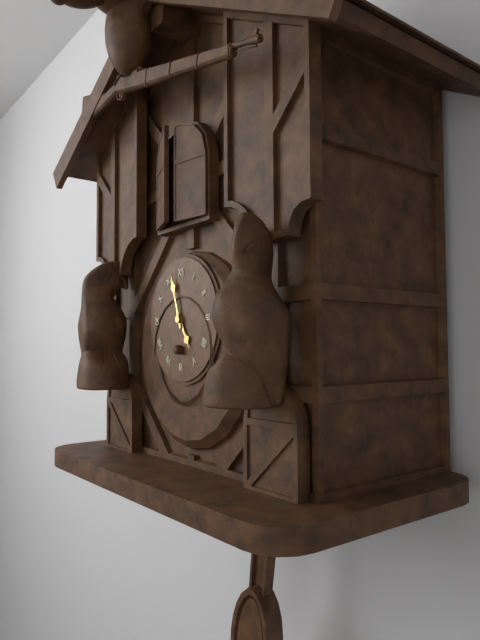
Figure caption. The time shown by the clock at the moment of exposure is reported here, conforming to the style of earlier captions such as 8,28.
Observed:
4,57
